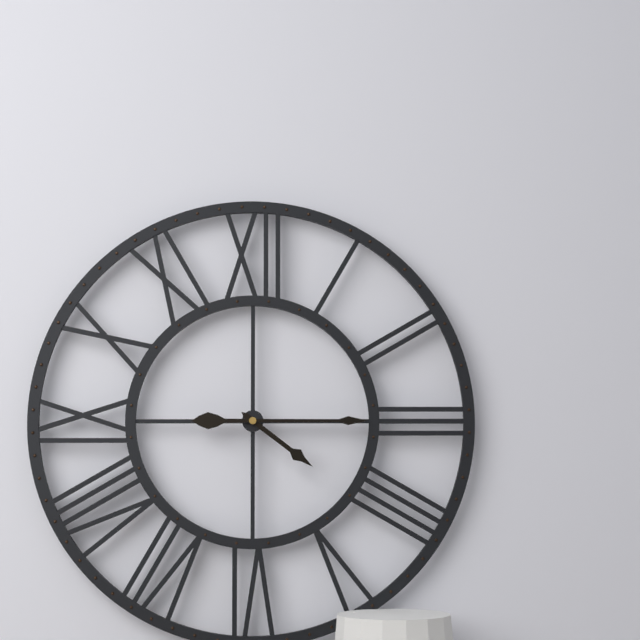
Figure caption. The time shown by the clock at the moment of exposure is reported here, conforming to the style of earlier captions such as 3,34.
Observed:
4,15
